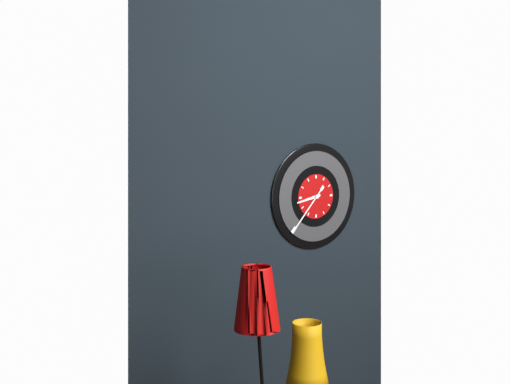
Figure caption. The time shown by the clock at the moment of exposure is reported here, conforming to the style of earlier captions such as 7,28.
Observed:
8,37
